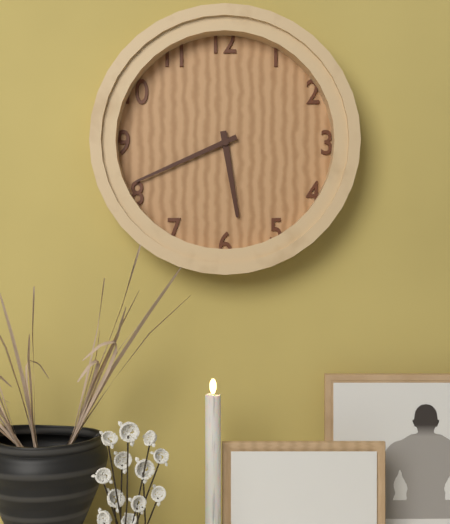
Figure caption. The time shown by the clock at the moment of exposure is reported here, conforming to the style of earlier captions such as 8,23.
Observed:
5,41
